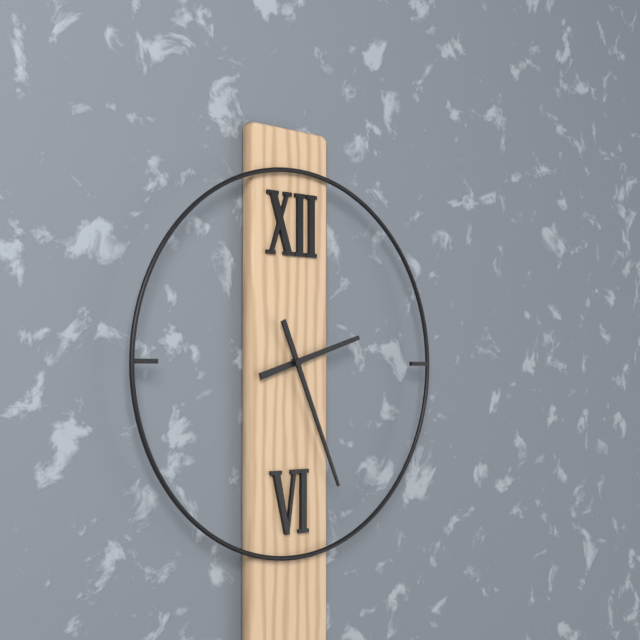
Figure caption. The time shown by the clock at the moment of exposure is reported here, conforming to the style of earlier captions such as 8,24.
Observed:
2,26
